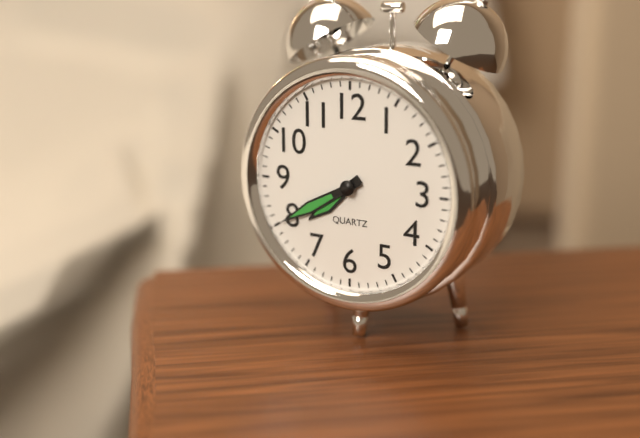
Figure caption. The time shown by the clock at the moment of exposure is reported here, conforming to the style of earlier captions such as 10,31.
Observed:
7,40
